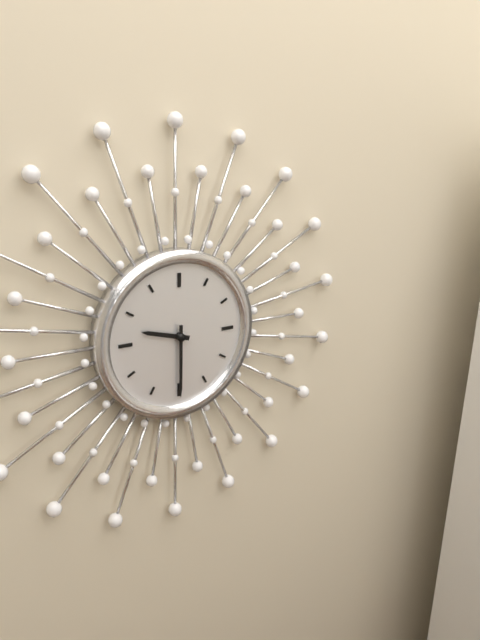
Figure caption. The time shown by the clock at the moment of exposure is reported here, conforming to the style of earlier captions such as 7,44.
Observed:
9,30
